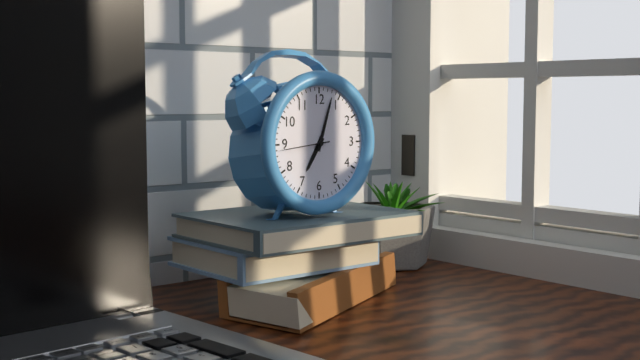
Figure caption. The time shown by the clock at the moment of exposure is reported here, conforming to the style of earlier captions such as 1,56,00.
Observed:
7,03,44
